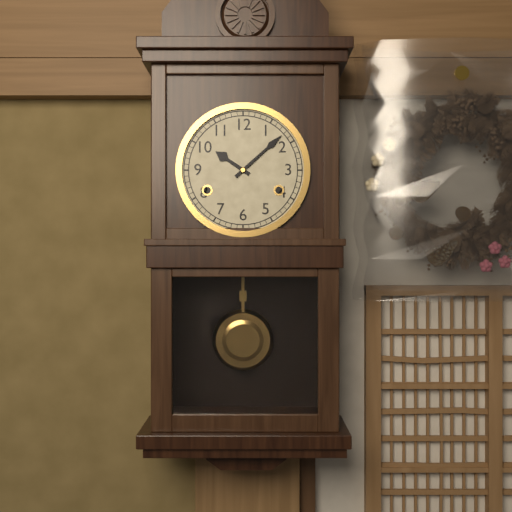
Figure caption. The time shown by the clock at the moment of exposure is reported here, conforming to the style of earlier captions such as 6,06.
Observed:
10,08
